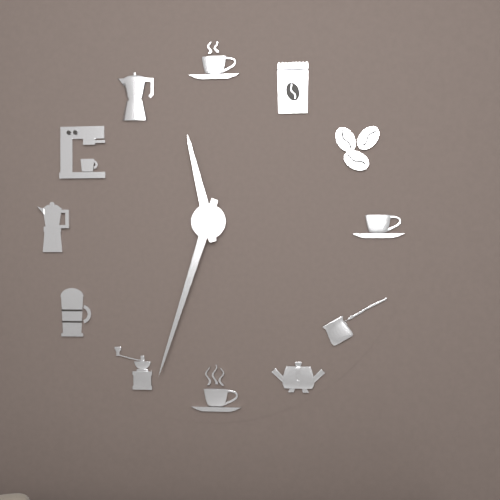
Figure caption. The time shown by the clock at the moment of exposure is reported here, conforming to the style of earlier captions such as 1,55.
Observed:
11,33
